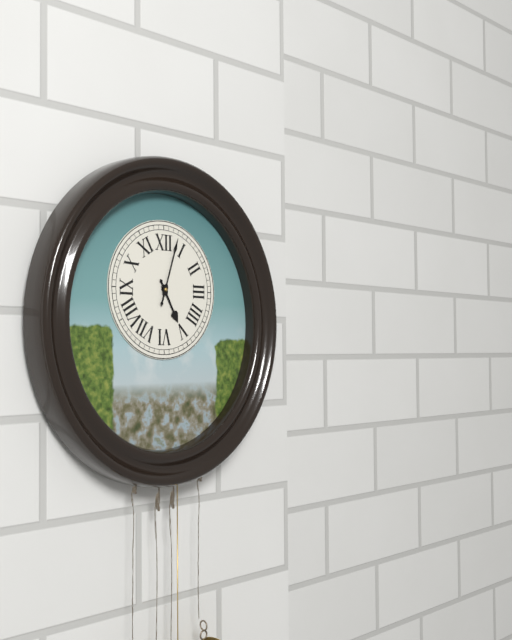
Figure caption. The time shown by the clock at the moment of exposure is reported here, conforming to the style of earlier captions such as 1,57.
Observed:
5,03
